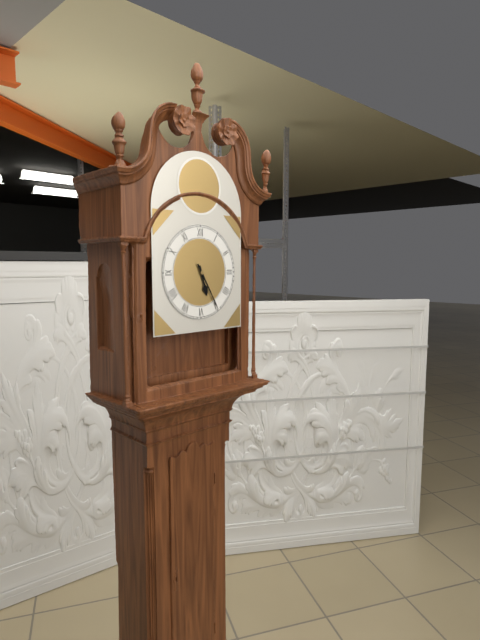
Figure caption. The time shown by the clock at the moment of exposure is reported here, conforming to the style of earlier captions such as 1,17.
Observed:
5,25
